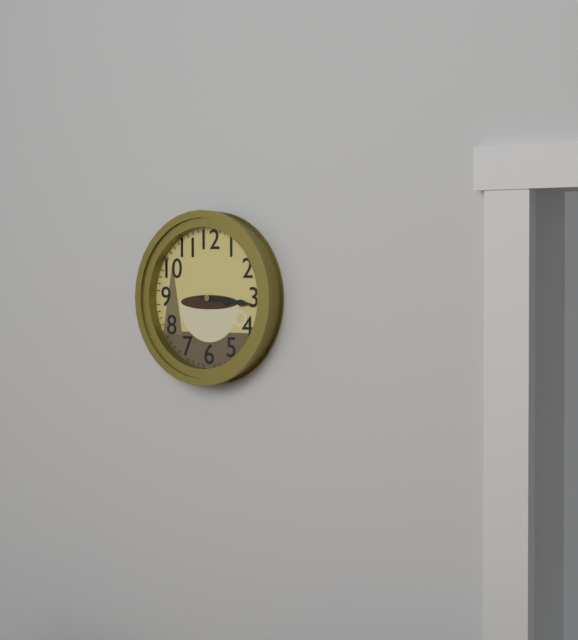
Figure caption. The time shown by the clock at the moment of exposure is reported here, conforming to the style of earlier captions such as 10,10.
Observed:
3,16
